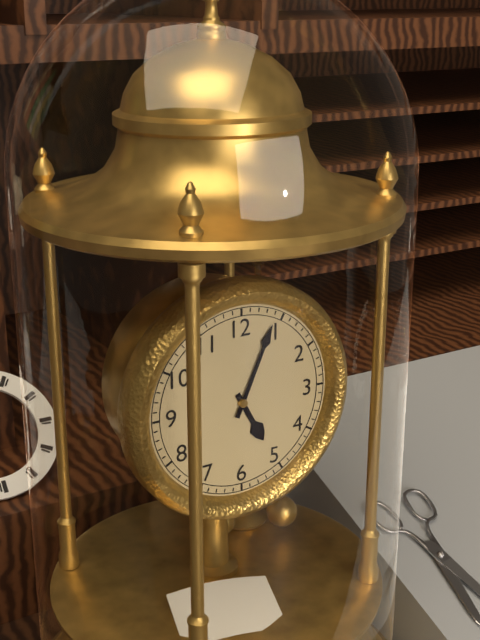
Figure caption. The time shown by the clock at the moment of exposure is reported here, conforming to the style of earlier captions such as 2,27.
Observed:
5,04
